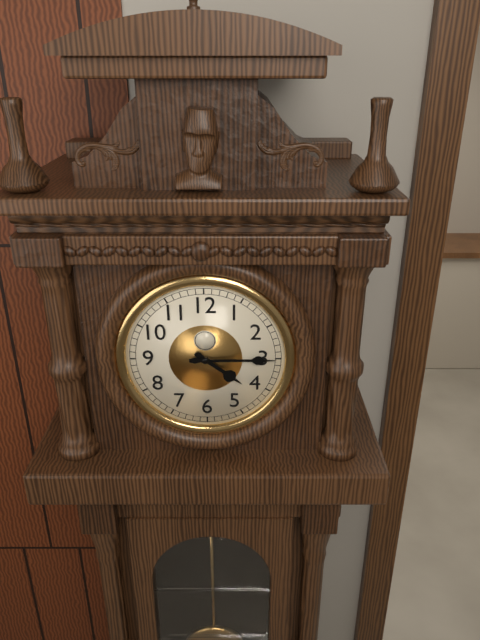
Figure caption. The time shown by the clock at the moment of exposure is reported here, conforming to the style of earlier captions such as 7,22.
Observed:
4,15
